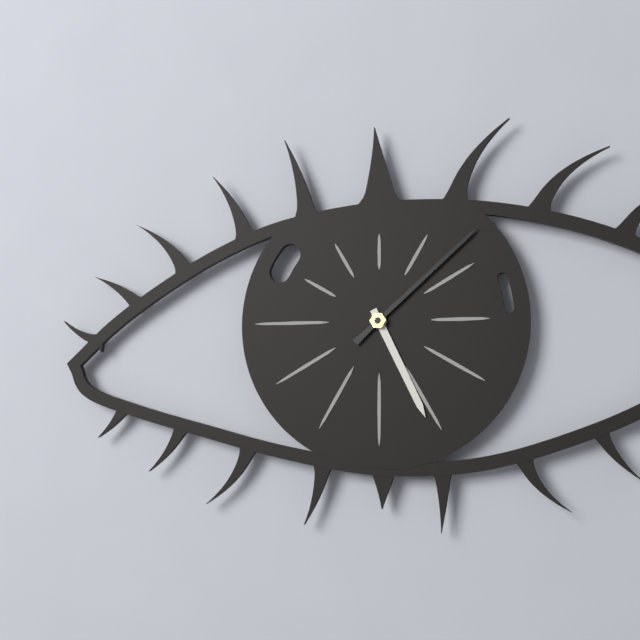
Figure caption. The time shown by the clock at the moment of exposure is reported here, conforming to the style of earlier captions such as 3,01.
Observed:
5,08
